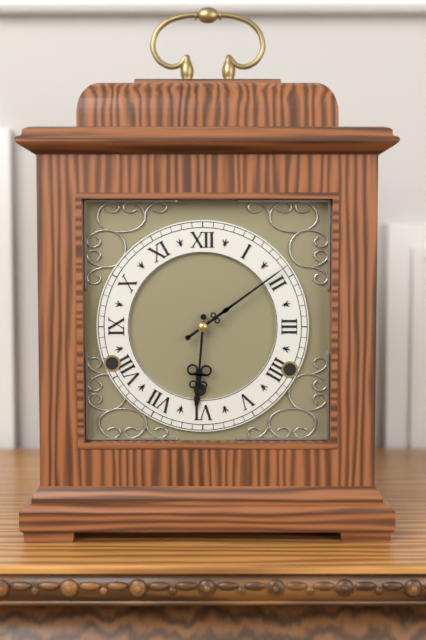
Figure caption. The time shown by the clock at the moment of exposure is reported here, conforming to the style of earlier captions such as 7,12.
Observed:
6,09
